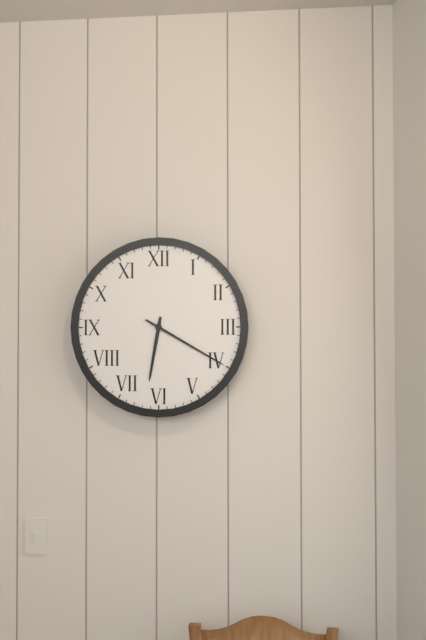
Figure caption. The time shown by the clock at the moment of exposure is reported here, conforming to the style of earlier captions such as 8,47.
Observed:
6,20
